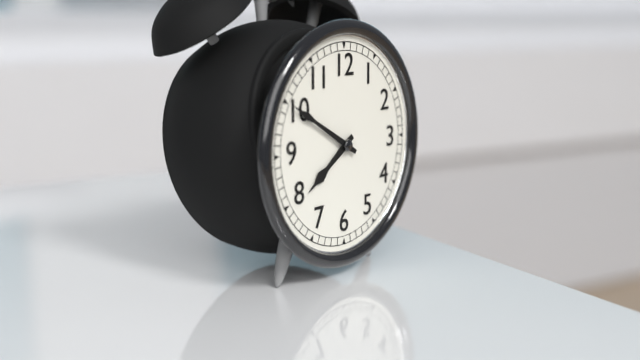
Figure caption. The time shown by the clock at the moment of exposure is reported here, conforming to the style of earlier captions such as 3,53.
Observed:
7,50
